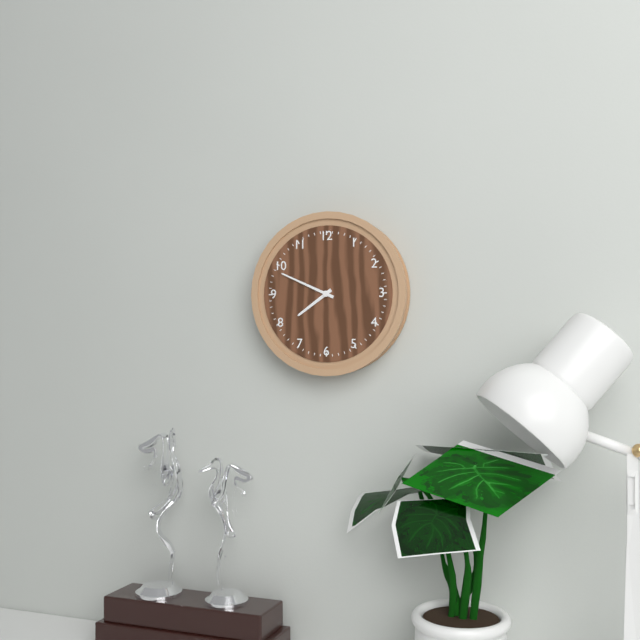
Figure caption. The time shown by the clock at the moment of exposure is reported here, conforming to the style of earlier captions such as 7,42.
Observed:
7,49
